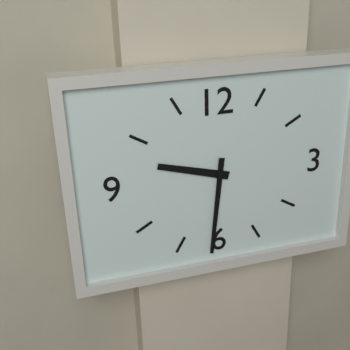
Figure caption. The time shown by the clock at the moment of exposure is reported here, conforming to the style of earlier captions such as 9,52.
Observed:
9,31
